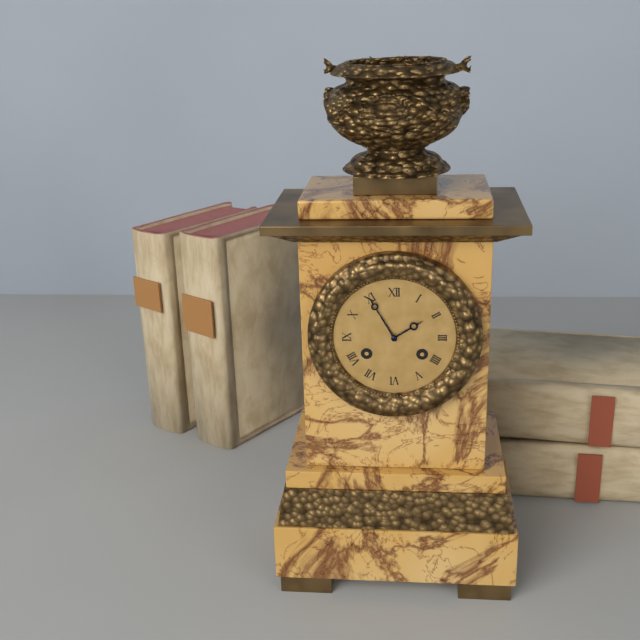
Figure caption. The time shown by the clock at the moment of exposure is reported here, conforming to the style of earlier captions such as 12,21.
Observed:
1,55
